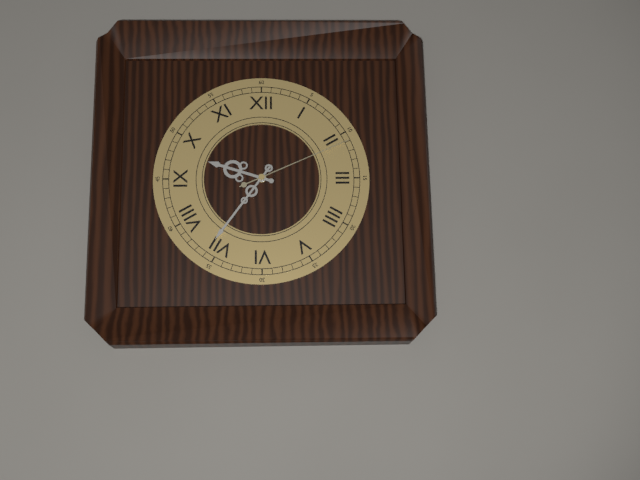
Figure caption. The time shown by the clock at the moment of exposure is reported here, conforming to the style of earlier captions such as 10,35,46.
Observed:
9,36,11
